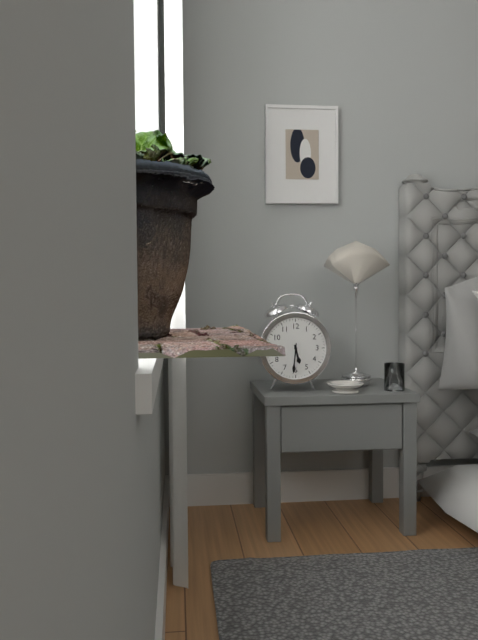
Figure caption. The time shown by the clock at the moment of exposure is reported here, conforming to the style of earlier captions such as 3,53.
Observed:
5,31
